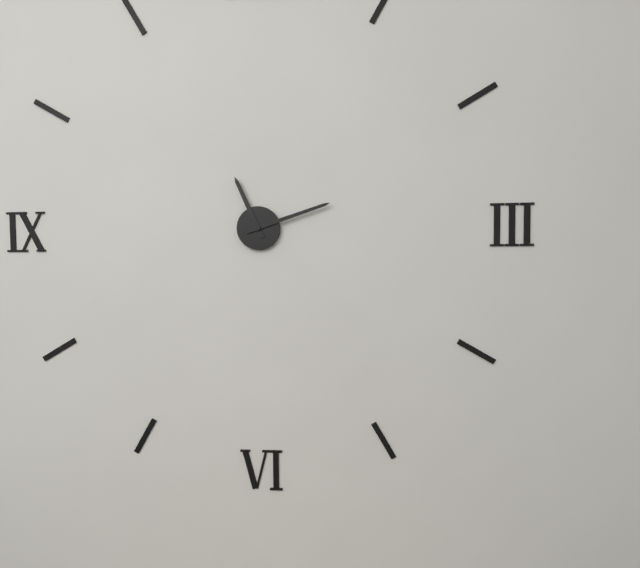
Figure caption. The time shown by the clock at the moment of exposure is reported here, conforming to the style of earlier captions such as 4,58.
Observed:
11,12
